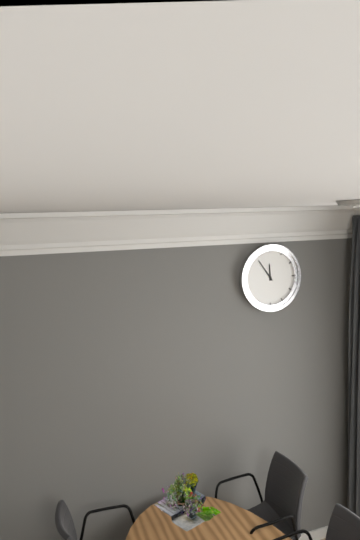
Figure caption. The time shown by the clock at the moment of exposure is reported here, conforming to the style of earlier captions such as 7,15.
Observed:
11,54
